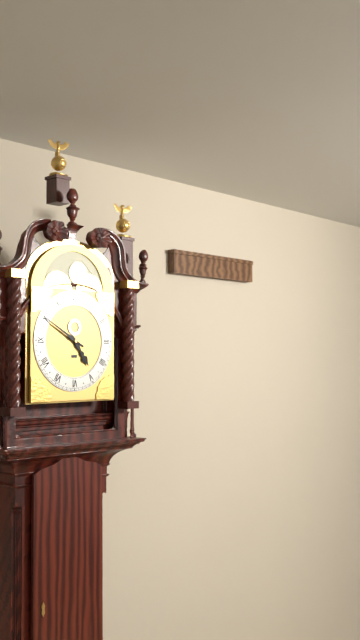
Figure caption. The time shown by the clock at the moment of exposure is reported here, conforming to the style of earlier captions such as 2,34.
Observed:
4,50
